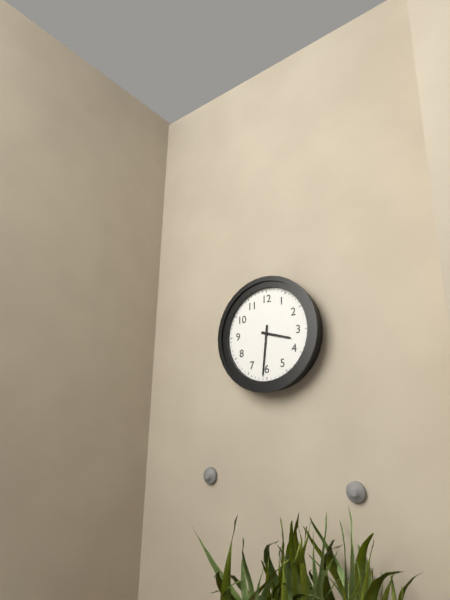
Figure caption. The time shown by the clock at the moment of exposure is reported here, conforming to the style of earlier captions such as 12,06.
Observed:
3,31
